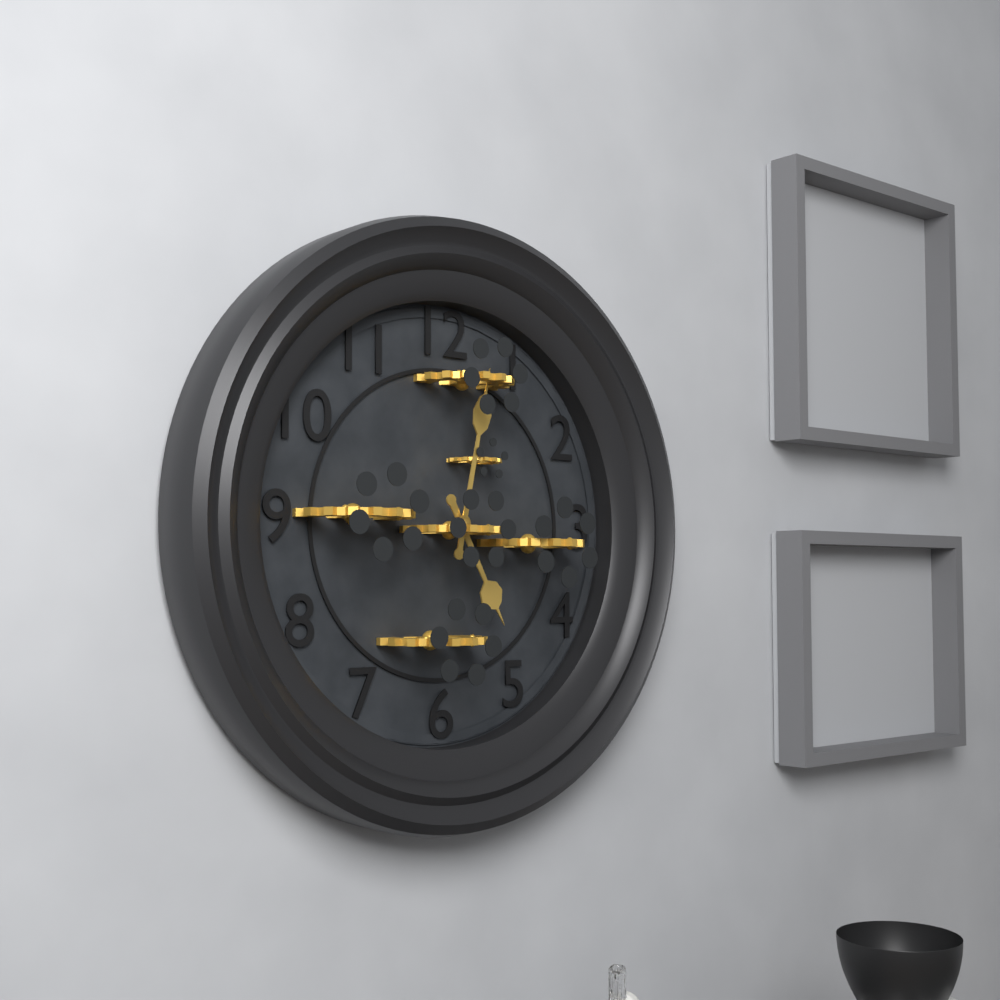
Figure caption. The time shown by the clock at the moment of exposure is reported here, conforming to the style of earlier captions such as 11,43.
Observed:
5,02
